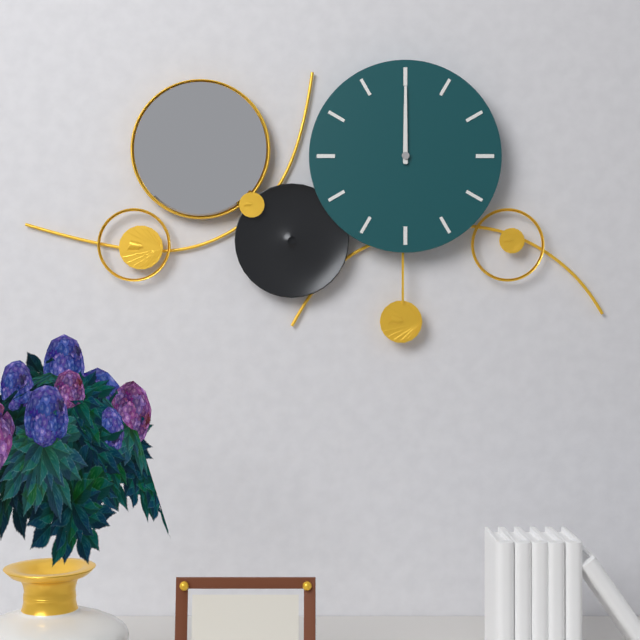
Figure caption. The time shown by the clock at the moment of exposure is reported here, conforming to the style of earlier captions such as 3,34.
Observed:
12,00
